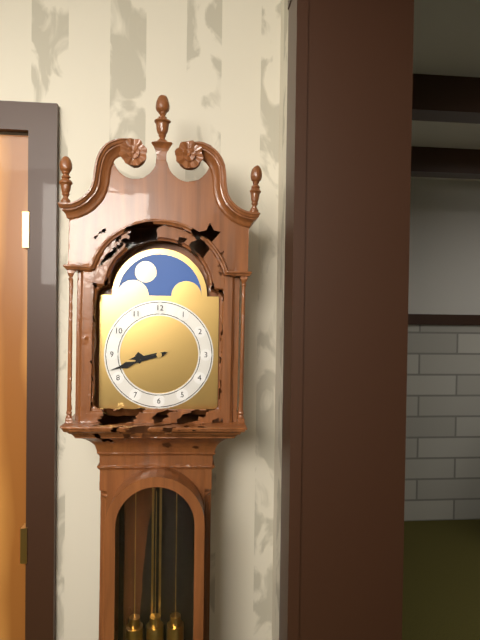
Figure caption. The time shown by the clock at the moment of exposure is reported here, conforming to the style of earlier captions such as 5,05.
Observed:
8,42
